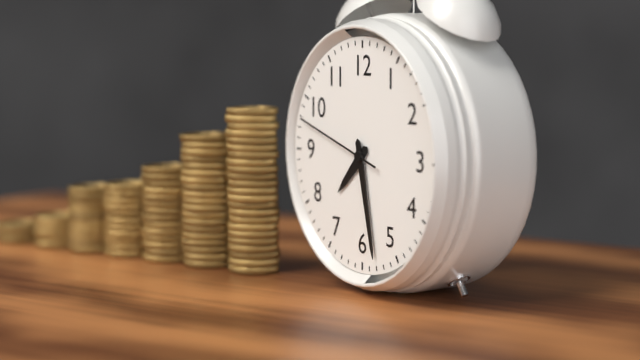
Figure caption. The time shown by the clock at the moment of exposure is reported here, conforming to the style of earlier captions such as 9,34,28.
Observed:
7,28,48
